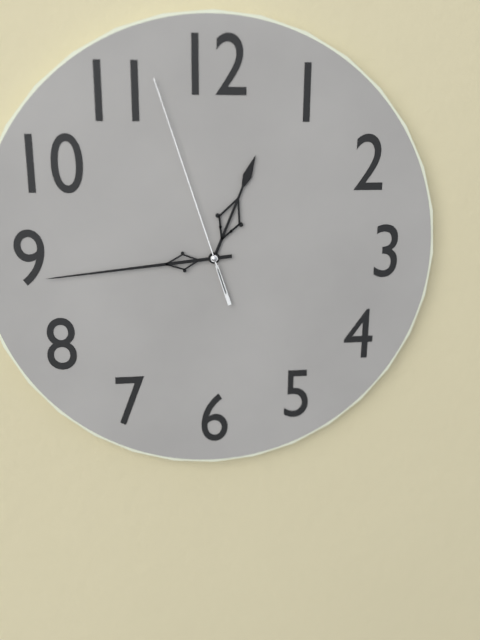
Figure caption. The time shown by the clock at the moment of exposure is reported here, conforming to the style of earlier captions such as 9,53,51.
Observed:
12,44,57
